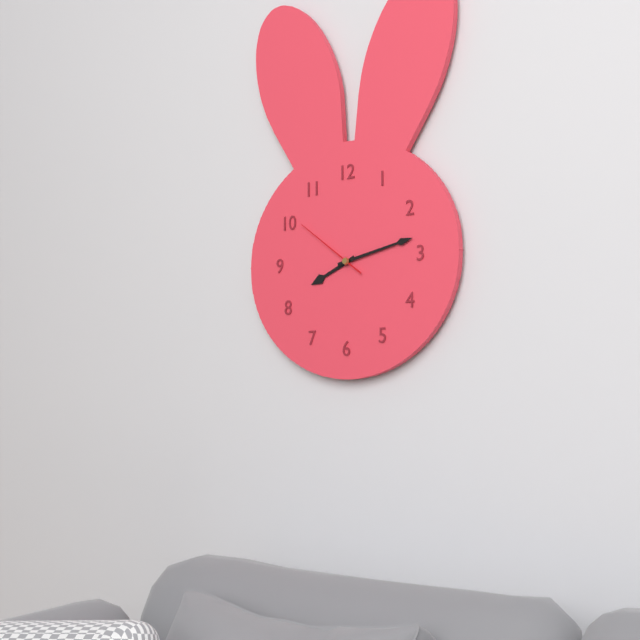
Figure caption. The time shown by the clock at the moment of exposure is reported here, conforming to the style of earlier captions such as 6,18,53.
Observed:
8,13,51
